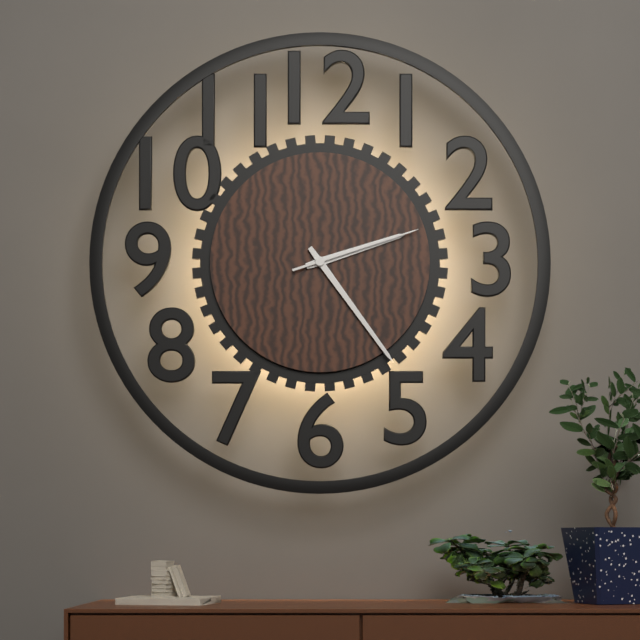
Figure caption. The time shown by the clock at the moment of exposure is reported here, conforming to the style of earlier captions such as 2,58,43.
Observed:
2,24,12
